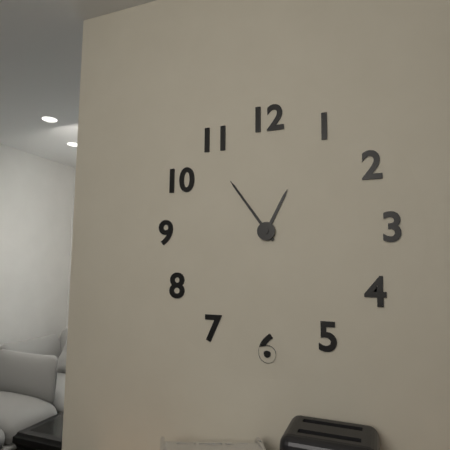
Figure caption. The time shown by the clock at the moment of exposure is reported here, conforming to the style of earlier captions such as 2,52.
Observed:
12,54
